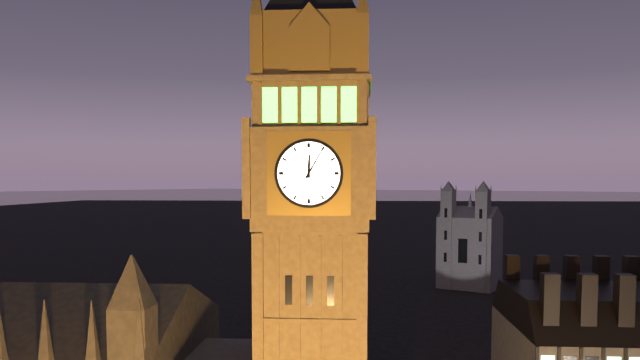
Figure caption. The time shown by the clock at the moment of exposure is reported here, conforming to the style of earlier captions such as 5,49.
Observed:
12,05
